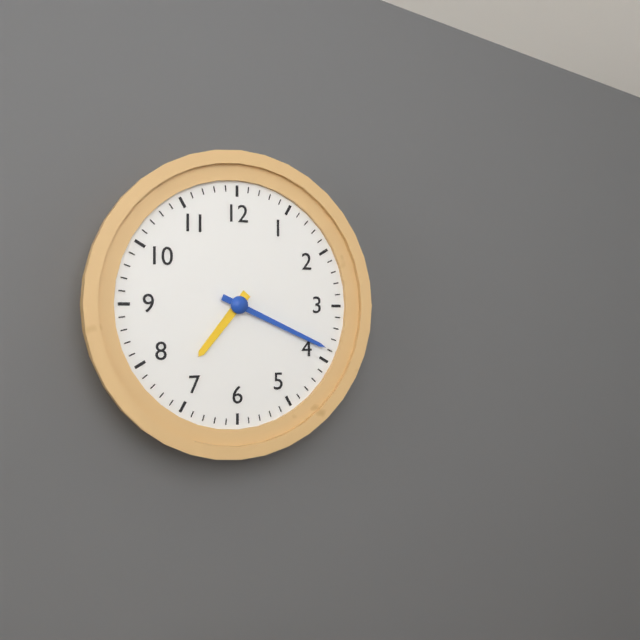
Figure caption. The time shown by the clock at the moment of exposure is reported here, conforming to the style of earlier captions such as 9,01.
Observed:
7,19
